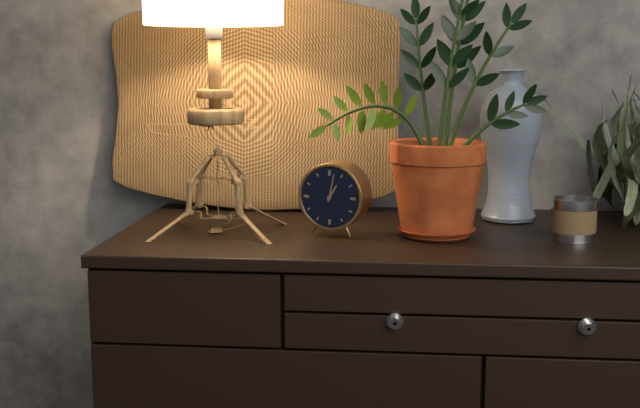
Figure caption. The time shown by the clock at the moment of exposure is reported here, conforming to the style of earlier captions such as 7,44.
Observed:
1,02
